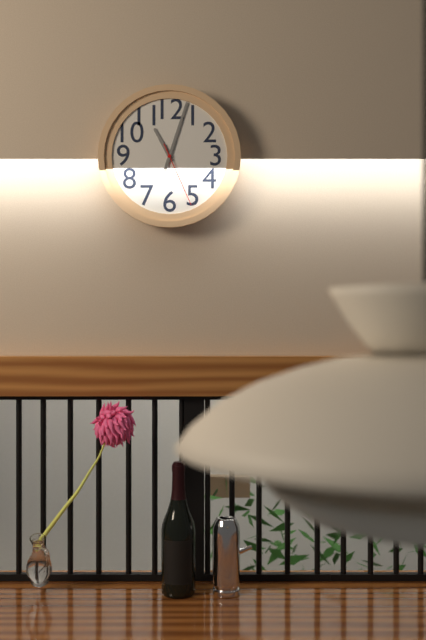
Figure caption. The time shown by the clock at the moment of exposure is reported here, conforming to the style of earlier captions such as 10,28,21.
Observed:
11,03,26
